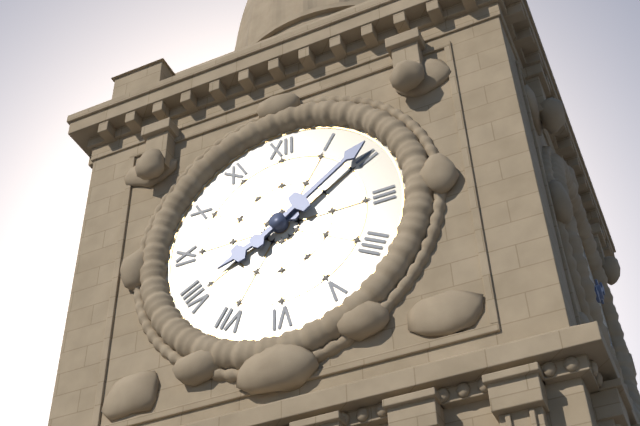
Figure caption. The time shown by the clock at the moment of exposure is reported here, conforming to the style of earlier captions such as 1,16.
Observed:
8,09
